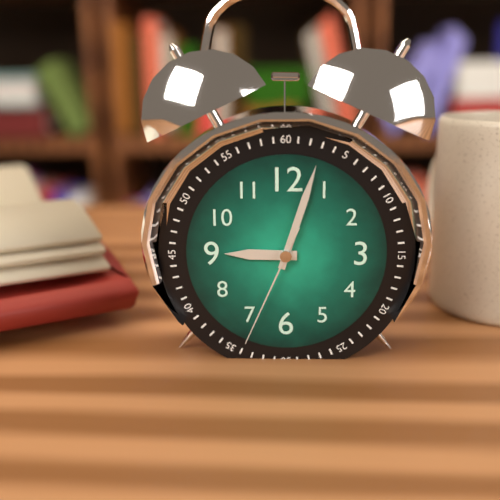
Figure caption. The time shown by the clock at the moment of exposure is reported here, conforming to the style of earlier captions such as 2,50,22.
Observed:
9,03,34
